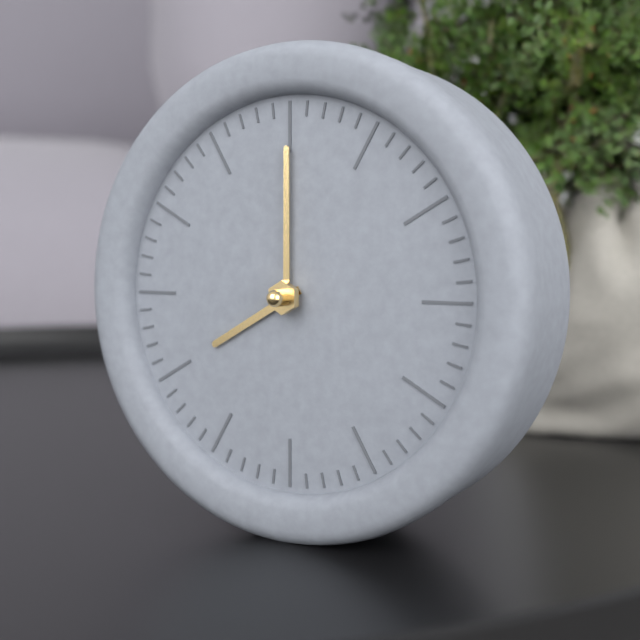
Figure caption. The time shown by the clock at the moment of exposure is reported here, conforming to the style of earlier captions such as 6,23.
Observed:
8,00
